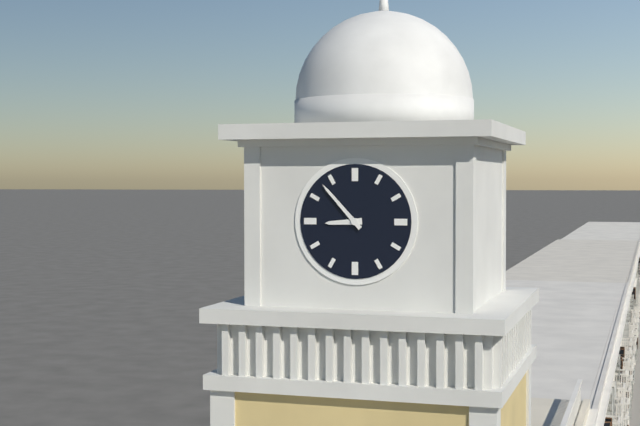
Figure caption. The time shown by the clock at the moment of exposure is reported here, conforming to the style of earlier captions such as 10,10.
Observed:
8,53
